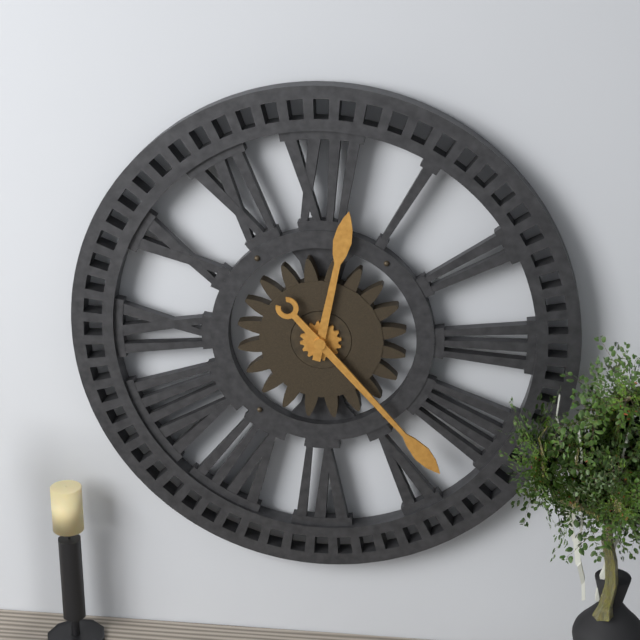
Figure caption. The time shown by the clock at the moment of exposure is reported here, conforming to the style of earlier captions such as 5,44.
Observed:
12,23
